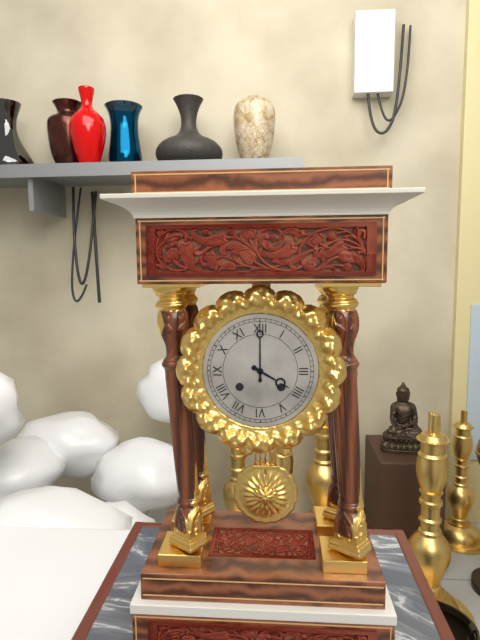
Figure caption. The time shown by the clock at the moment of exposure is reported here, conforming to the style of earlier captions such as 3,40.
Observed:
4,00
